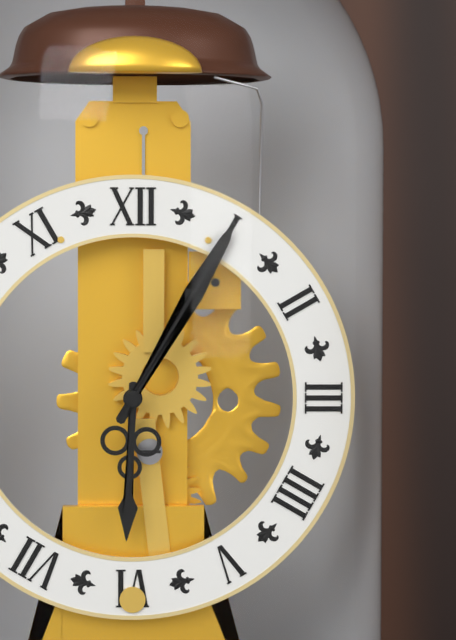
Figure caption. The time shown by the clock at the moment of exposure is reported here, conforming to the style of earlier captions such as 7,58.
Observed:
6,05
